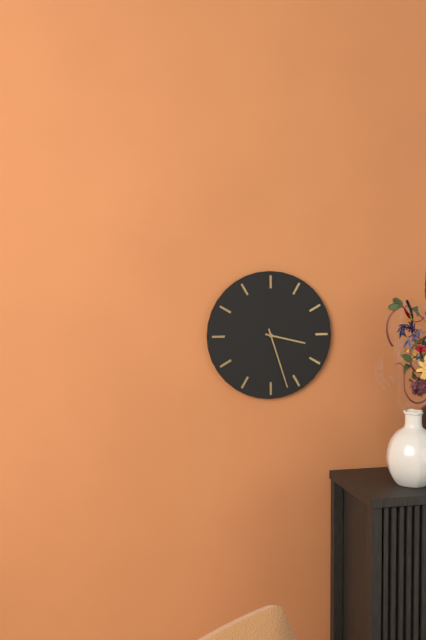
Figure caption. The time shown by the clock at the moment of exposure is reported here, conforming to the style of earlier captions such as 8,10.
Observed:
3,27
